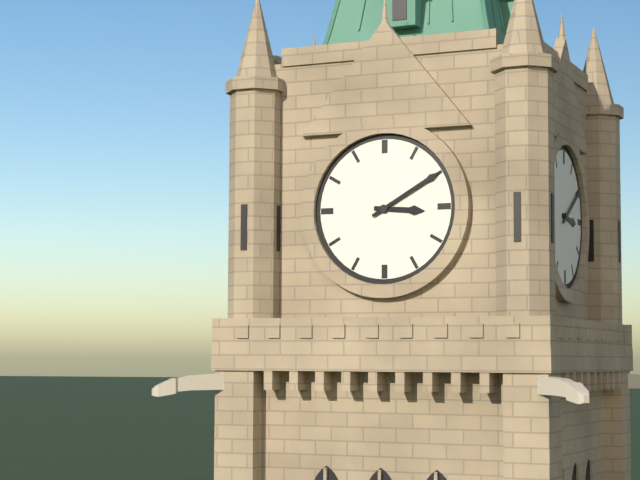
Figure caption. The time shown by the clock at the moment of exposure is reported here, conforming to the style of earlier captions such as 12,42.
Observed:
3,10
